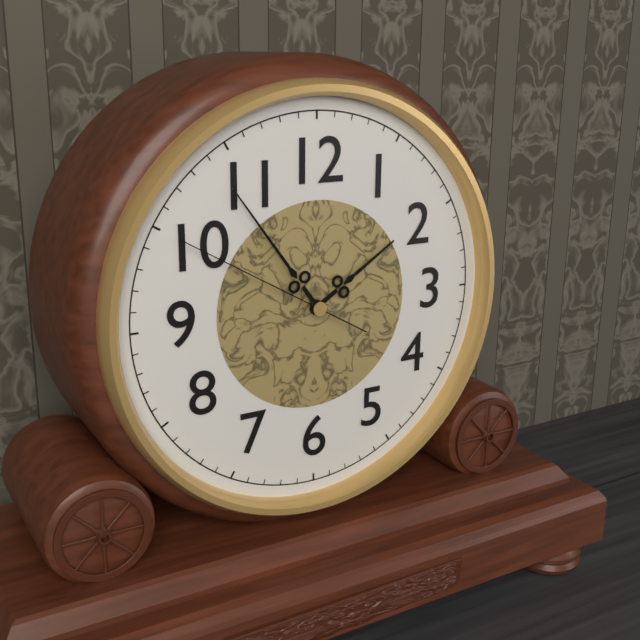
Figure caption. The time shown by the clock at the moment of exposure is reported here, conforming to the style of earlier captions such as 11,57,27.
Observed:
1,54,50
